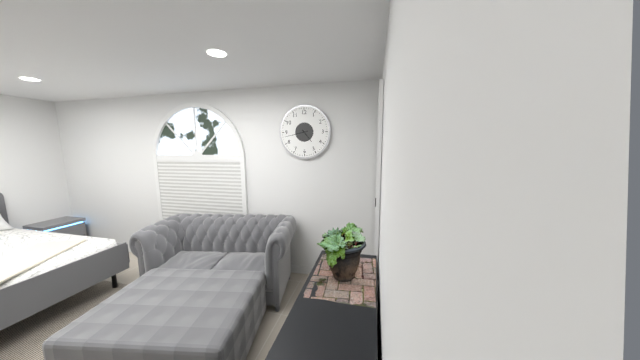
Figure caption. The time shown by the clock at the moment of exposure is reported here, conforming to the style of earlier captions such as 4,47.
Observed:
4,43
